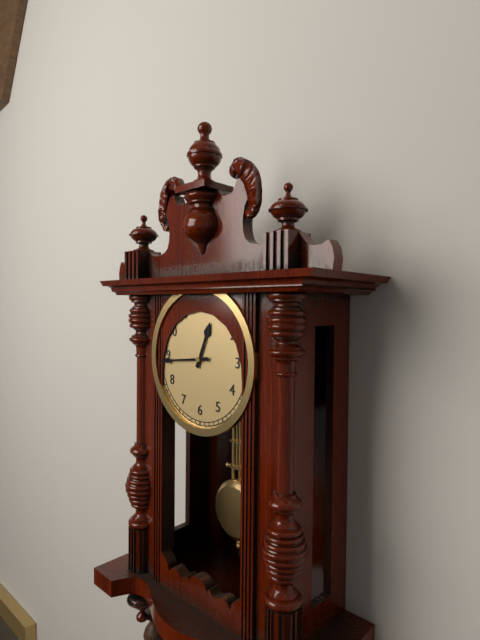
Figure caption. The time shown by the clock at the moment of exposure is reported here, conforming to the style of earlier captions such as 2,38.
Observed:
12,44
